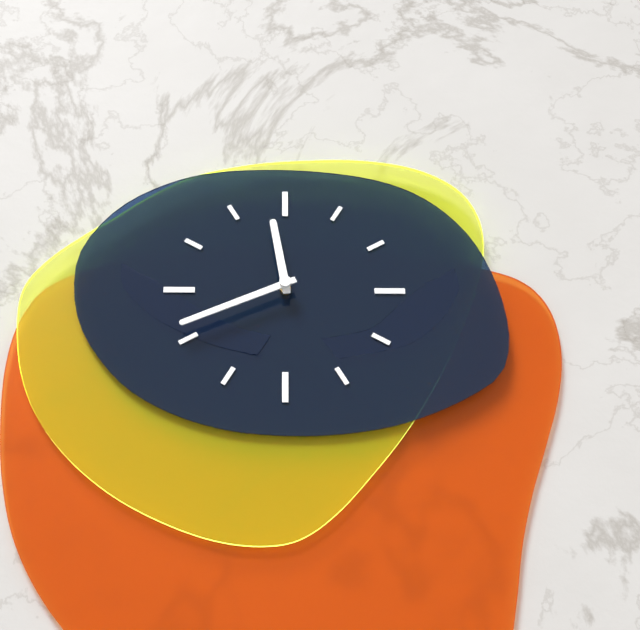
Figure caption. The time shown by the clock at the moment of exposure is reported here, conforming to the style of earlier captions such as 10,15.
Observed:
11,41
